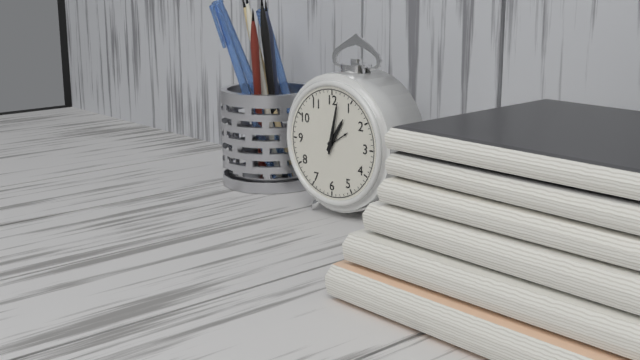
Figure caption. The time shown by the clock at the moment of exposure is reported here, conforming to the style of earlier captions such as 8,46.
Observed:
1,02
